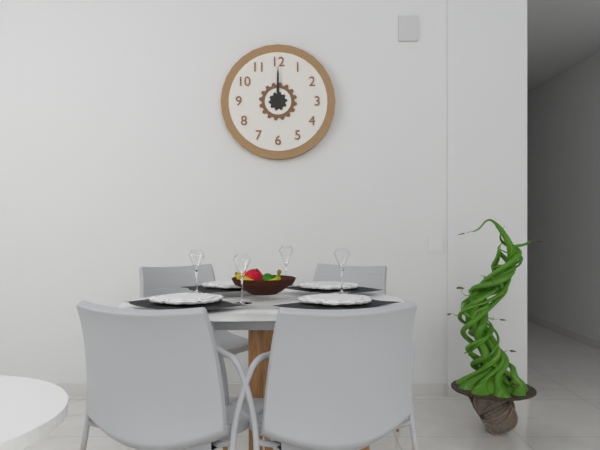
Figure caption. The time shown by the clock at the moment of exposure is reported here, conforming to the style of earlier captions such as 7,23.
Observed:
12,00
